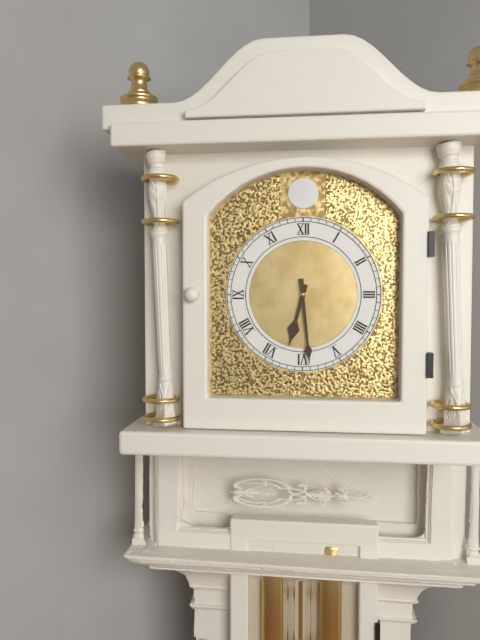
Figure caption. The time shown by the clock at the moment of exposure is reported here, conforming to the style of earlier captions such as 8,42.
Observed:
6,29
